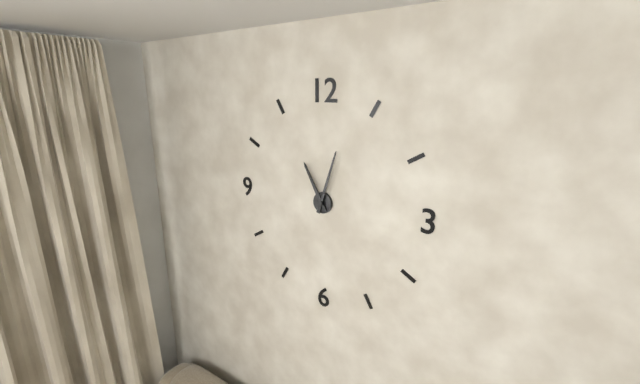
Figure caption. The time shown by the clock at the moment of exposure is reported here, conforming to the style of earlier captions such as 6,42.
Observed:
11,03
